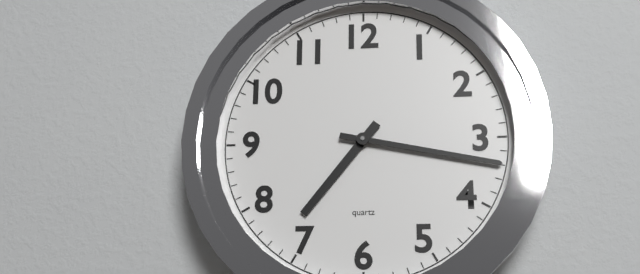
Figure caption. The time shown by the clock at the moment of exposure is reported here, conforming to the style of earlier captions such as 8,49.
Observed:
7,17
